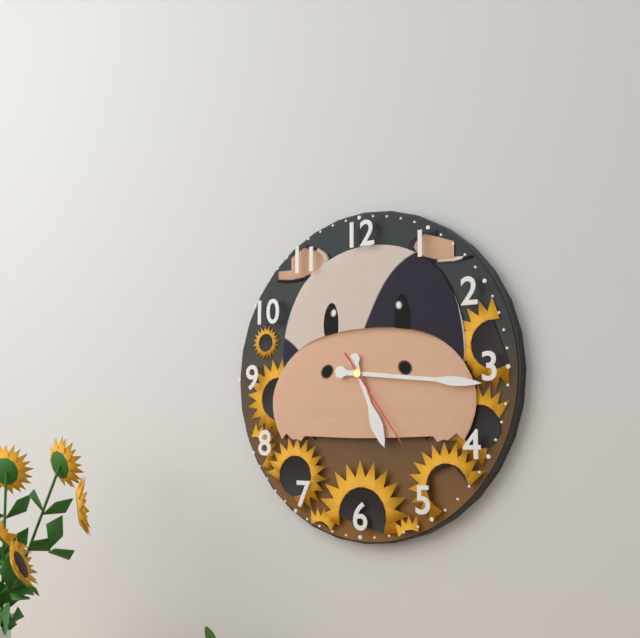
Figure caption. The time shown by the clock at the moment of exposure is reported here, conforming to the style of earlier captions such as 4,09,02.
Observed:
5,16,24
